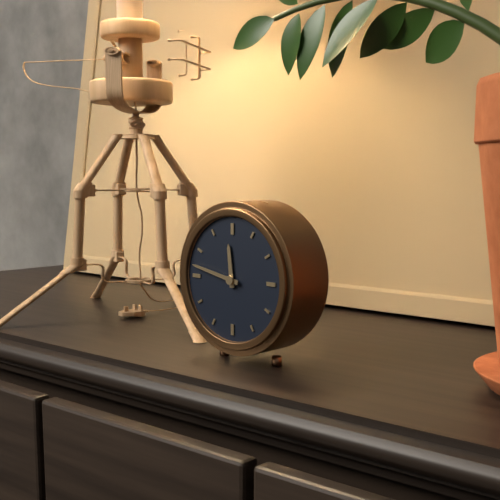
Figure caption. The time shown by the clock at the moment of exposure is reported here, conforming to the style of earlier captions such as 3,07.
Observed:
11,47
